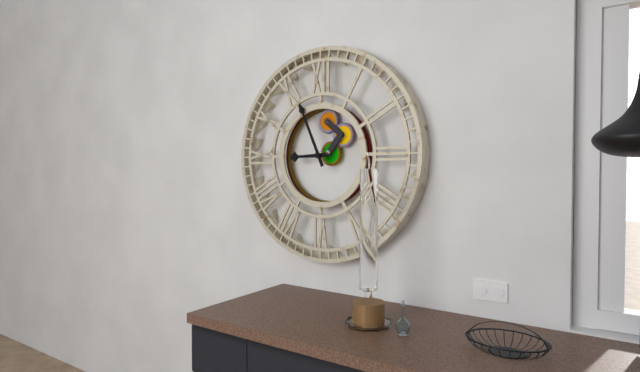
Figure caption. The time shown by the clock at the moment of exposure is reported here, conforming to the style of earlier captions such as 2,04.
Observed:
8,56
